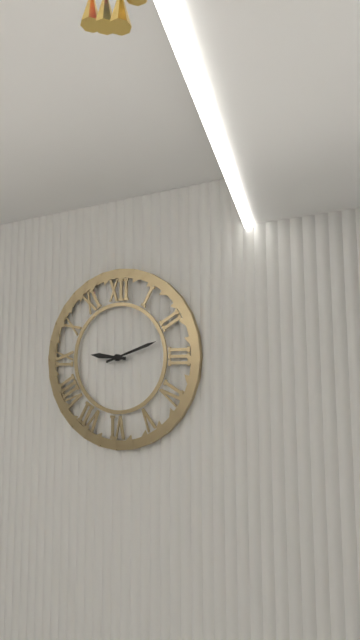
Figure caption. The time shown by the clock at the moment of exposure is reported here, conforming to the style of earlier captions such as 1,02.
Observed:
9,12
